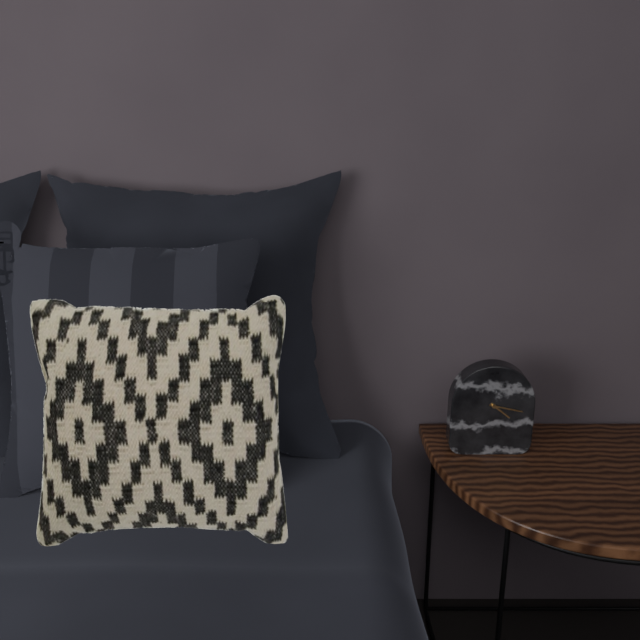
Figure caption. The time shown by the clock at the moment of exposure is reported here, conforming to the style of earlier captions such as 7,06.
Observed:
4,17
